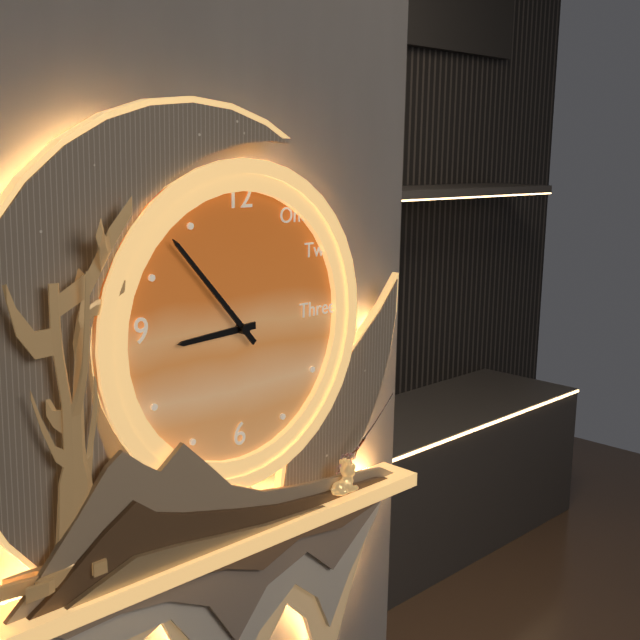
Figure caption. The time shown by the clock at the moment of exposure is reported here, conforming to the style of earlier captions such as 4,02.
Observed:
8,53
